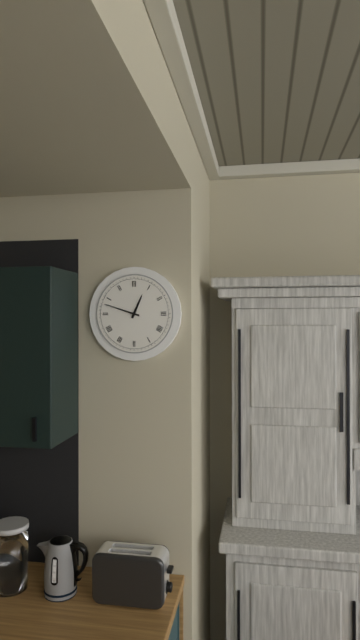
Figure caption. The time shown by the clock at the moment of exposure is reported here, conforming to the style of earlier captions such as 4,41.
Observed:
12,48
